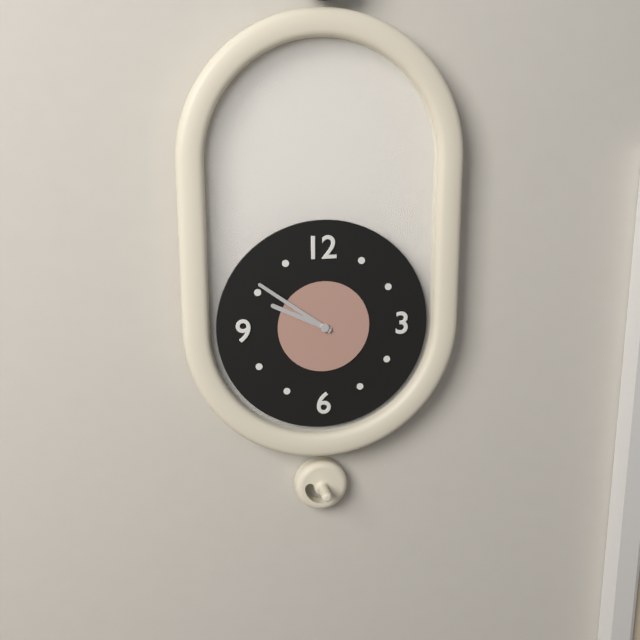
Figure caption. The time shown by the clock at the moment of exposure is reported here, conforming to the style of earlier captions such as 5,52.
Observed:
9,51
